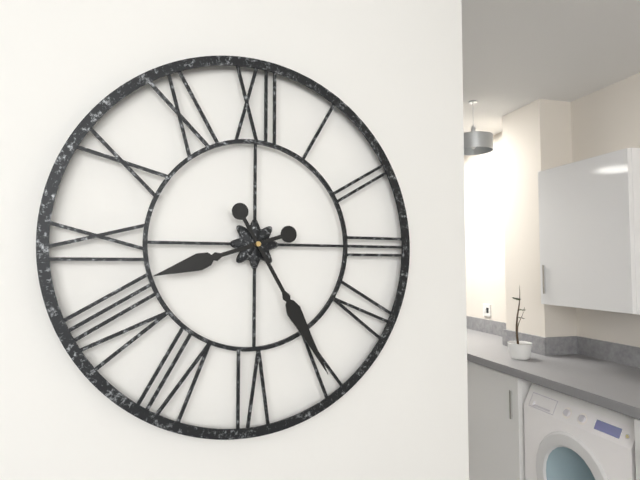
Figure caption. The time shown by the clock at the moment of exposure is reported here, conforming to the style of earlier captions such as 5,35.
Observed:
8,25
